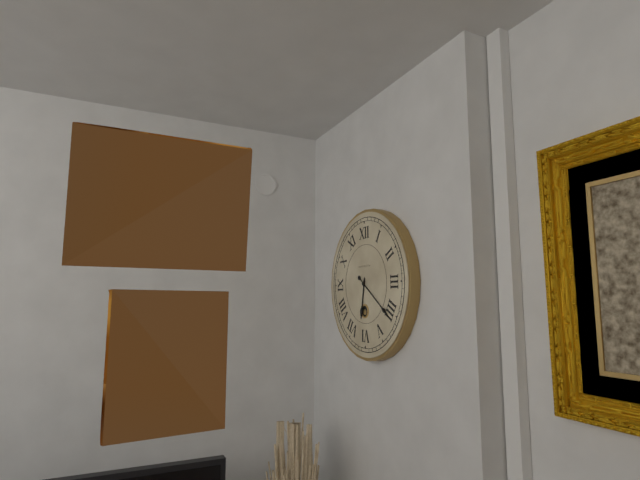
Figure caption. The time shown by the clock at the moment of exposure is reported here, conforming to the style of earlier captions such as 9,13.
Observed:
6,21
